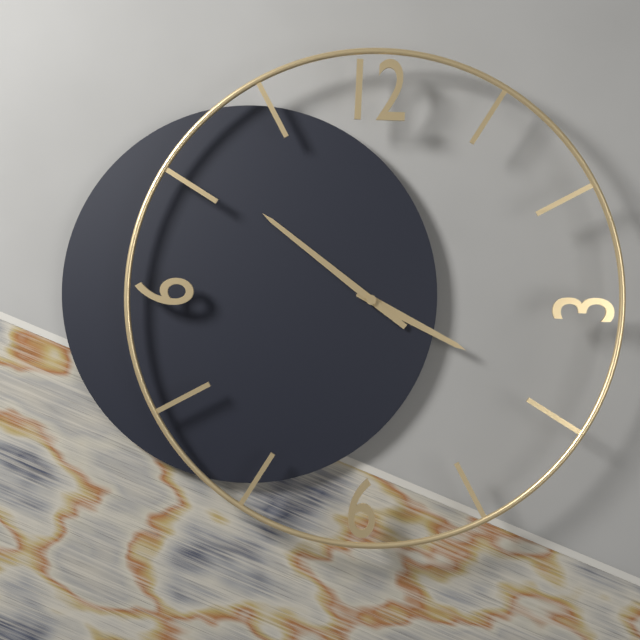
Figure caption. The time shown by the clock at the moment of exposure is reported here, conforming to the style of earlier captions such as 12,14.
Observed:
3,51
